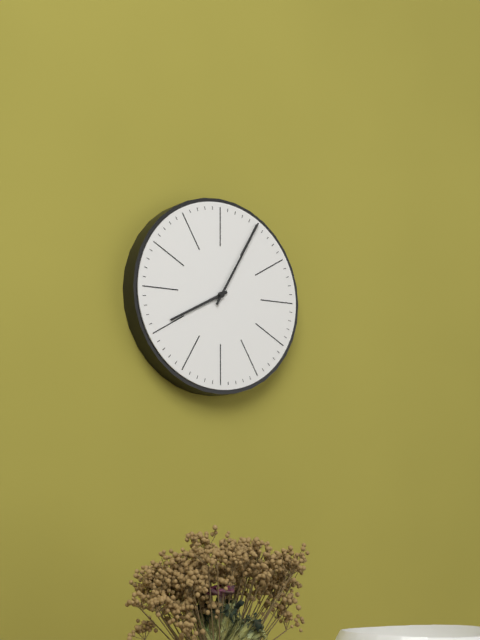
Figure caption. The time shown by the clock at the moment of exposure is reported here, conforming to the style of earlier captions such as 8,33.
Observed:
8,05
